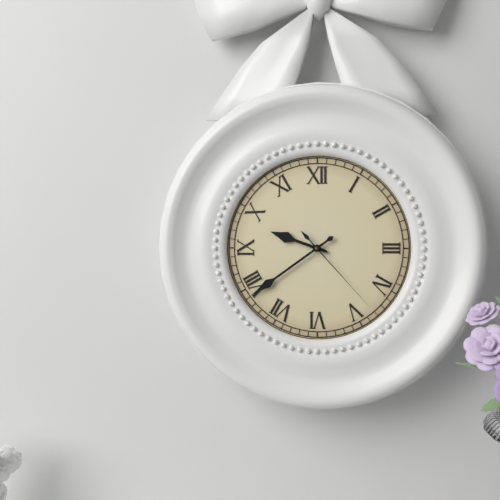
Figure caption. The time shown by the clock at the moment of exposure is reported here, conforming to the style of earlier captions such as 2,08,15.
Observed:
9,39,23
